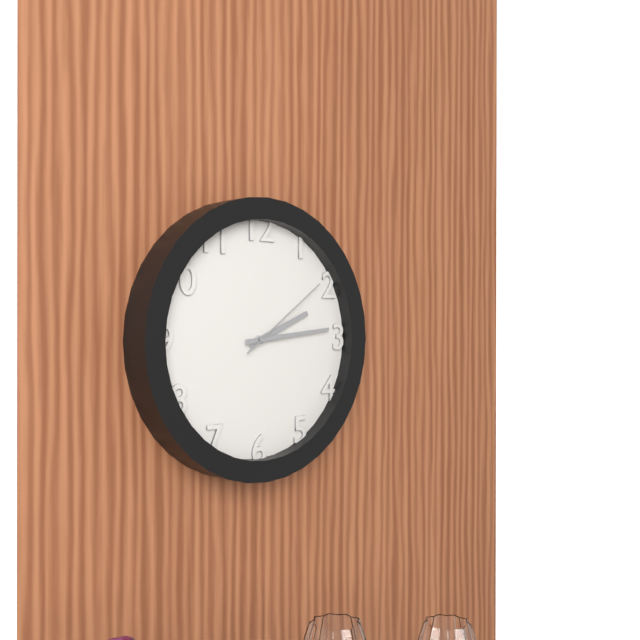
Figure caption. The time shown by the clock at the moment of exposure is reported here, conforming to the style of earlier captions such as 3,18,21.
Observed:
2,14,09
